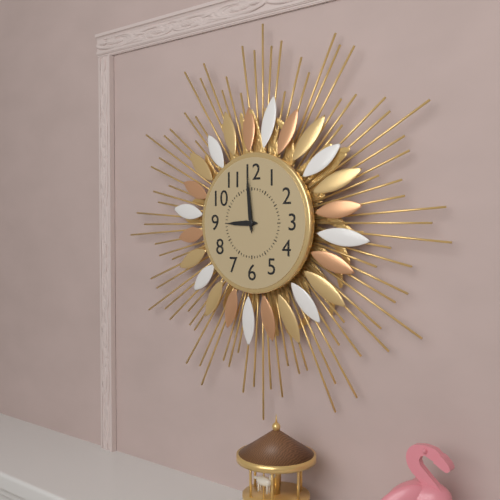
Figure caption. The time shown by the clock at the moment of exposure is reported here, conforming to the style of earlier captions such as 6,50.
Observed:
8,59
